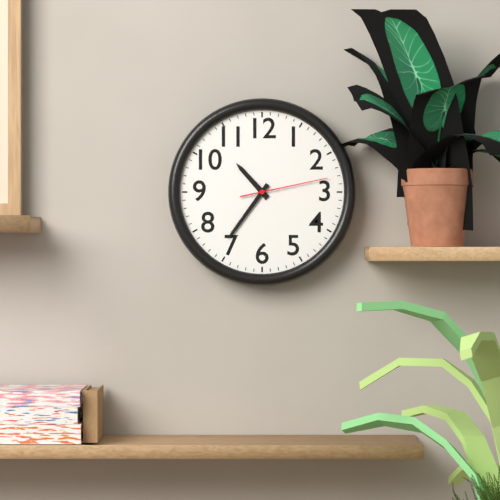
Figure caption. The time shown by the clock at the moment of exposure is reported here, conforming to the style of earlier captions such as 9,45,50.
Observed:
10,36,13
